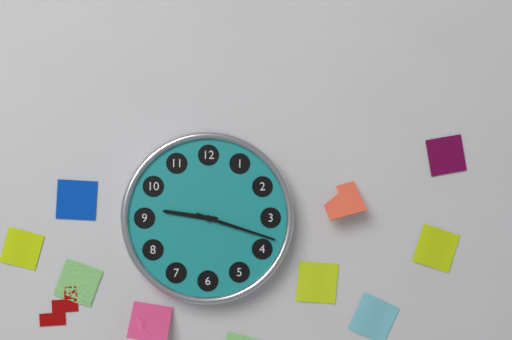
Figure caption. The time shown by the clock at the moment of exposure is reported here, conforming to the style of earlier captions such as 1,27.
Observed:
9,18
